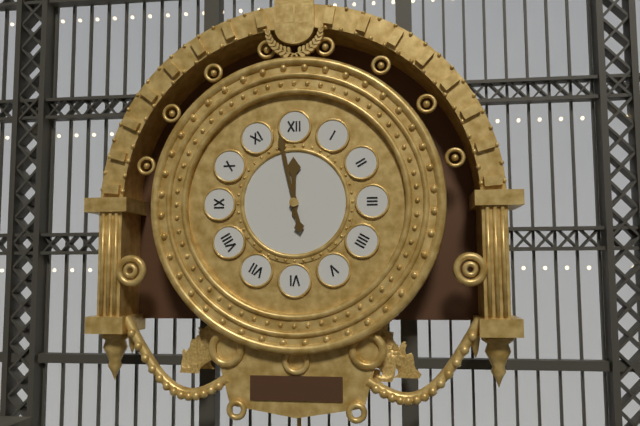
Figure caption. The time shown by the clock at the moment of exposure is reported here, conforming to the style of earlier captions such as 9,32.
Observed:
11,58
